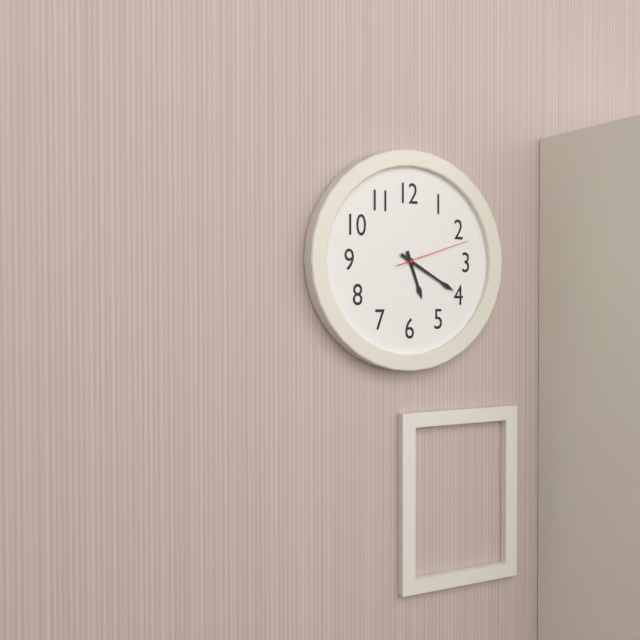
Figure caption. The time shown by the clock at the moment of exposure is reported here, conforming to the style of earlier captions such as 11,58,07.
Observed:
5,20,12
